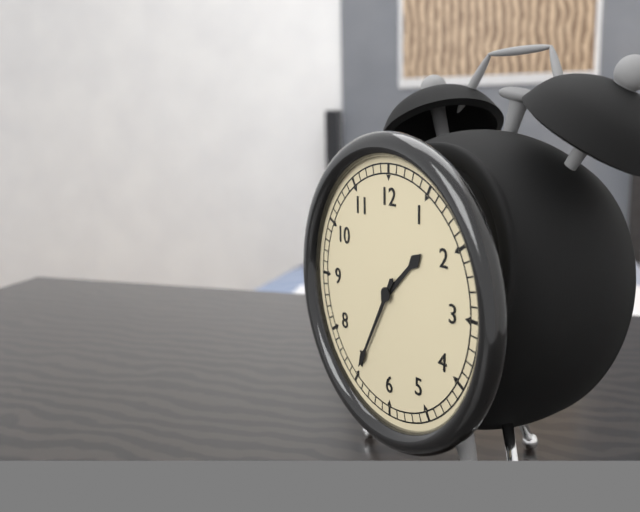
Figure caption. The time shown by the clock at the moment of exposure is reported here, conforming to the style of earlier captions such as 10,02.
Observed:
1,35
